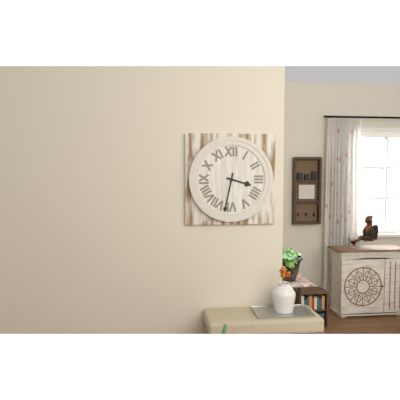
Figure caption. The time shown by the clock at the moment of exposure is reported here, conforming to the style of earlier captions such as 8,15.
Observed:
3,32
